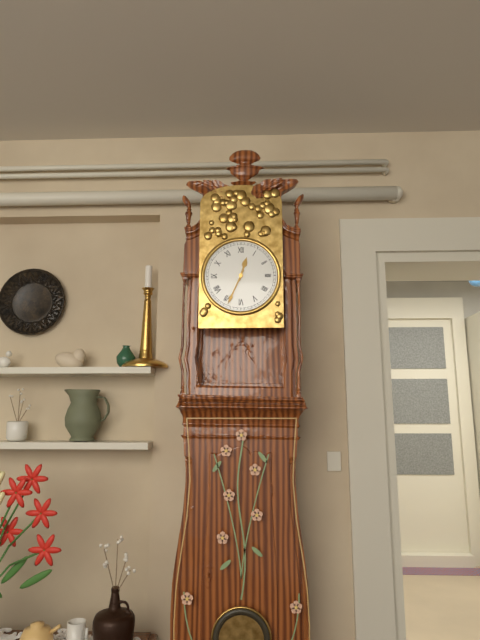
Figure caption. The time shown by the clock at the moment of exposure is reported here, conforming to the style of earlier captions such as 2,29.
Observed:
12,34
